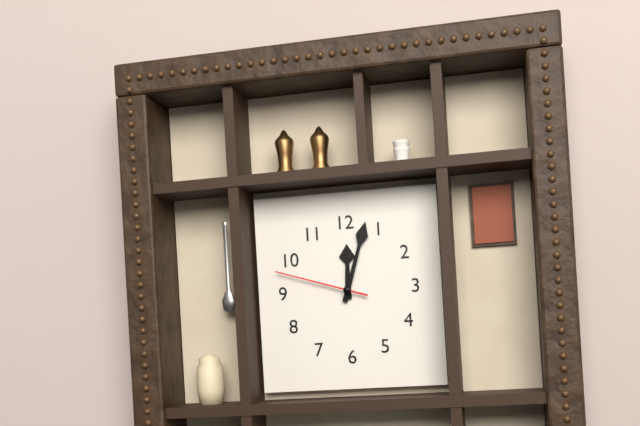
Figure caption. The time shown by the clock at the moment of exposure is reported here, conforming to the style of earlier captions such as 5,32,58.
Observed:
12,03,48
